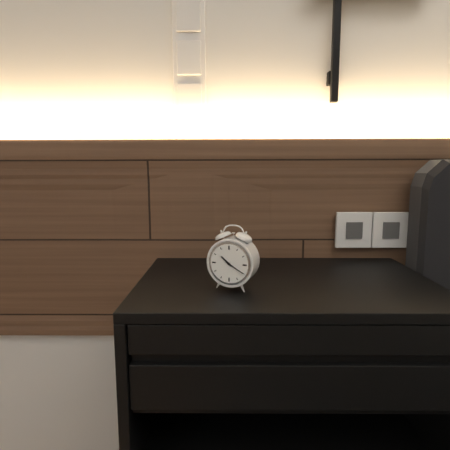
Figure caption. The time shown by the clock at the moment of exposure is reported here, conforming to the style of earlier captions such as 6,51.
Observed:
10,20
